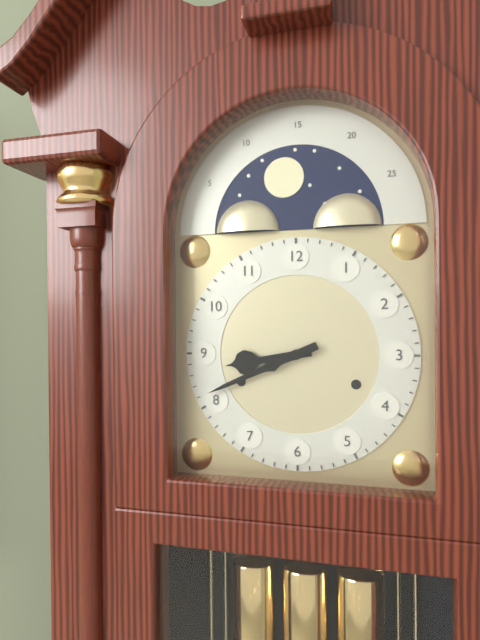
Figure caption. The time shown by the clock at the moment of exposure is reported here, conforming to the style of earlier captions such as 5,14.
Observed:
8,41
